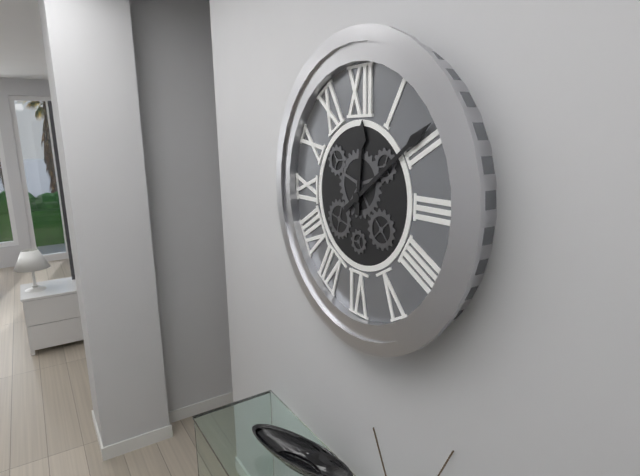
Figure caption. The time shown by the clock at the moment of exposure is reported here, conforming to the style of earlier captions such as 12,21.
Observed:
12,09
